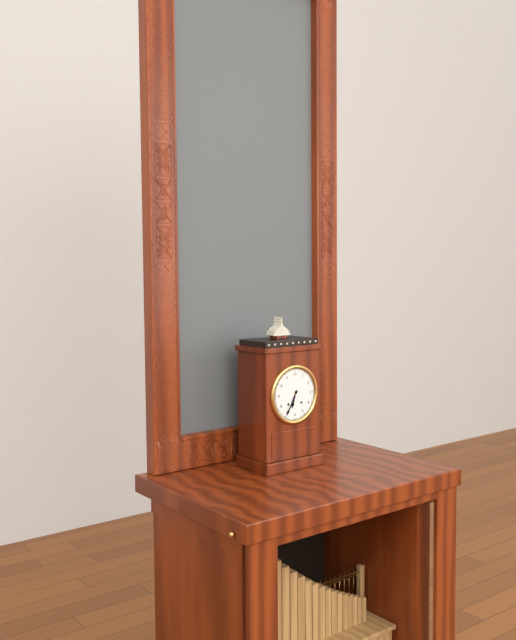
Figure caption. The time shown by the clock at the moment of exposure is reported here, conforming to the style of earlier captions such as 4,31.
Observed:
6,35
